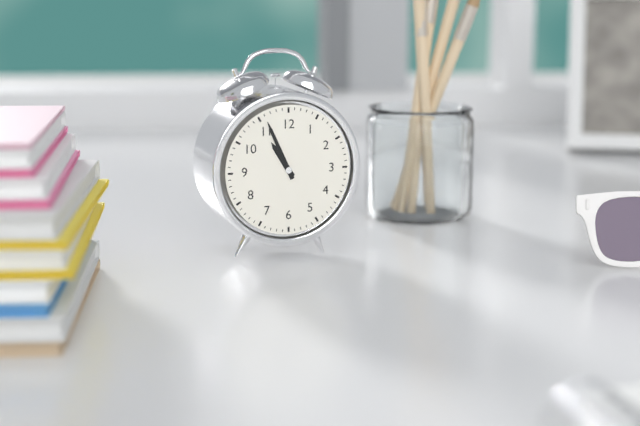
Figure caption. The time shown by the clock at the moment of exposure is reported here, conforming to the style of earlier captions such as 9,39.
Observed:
10,56
